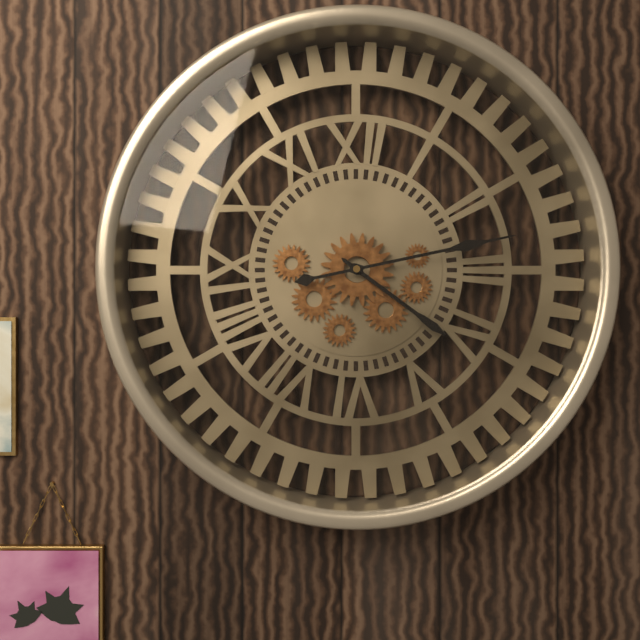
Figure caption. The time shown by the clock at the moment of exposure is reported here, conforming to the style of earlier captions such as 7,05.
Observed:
4,13
